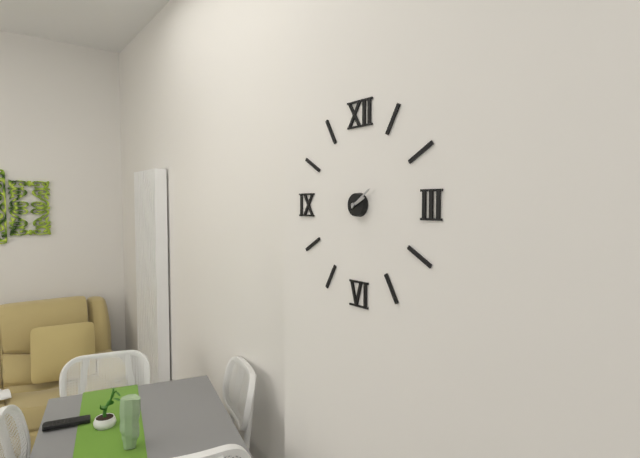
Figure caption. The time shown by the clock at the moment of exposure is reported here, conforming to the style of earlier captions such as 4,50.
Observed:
2,09
